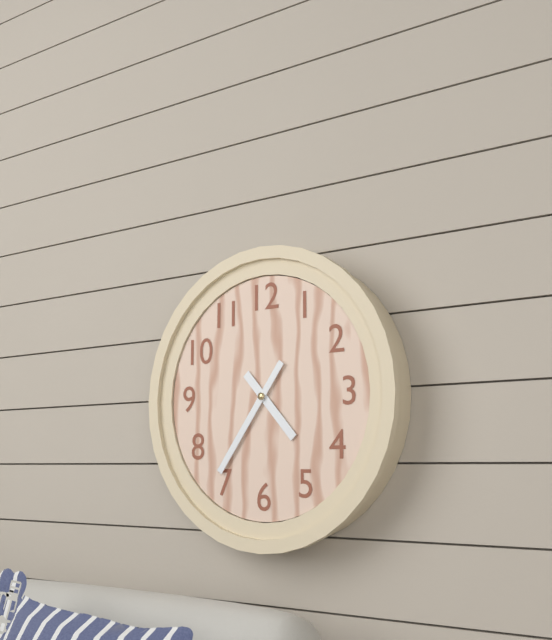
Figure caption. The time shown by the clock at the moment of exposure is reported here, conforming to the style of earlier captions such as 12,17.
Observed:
4,36
